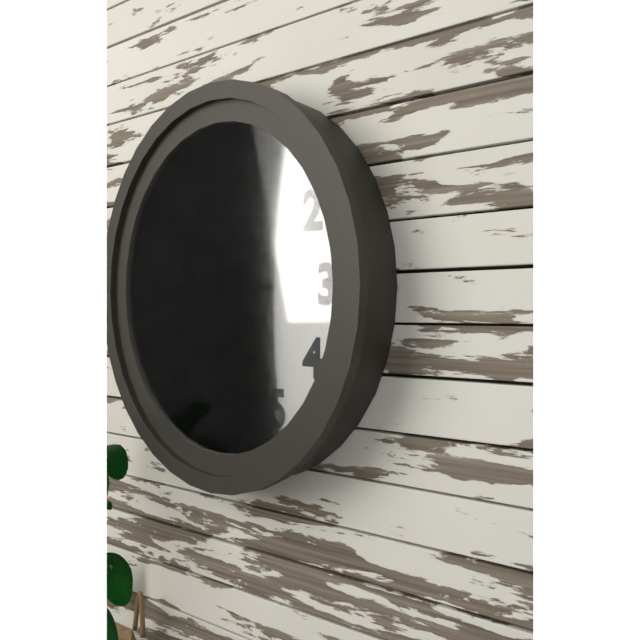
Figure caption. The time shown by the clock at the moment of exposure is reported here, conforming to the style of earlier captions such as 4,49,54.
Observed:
2,58,08
